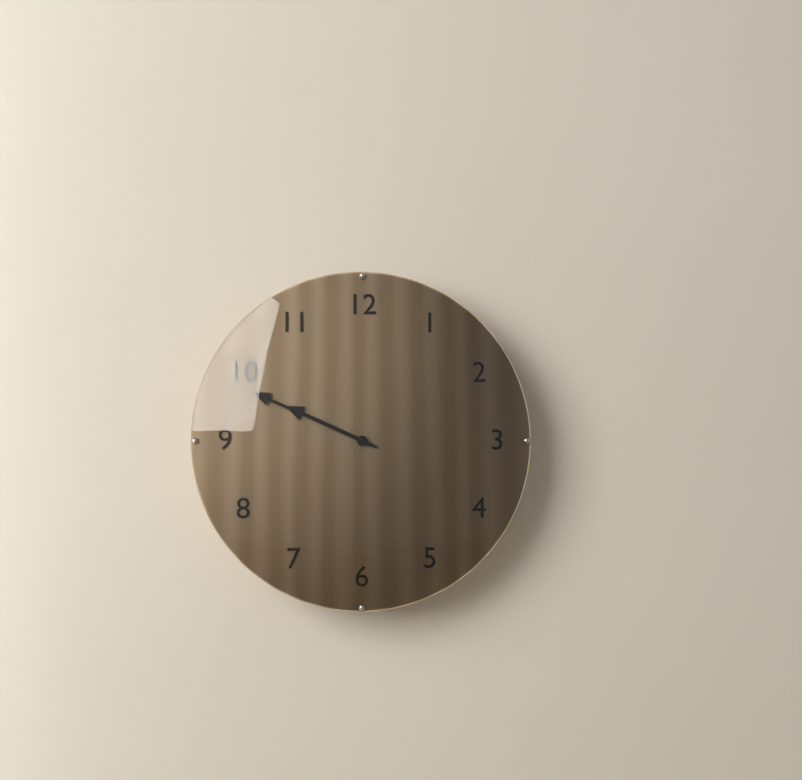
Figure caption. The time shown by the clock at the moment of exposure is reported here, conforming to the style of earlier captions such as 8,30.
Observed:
9,49
